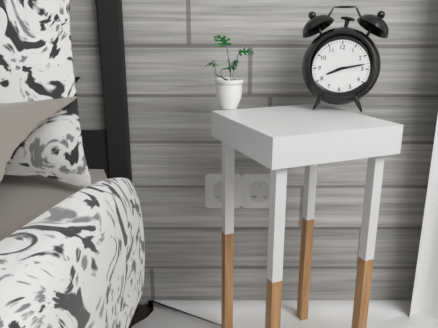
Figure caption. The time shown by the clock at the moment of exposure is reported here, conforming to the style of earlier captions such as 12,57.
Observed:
8,13
